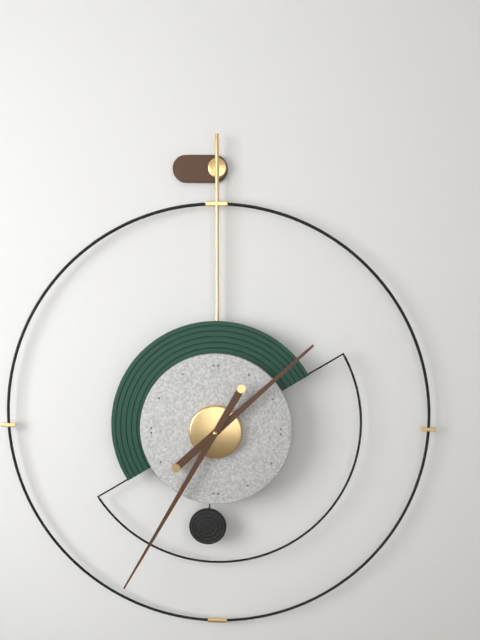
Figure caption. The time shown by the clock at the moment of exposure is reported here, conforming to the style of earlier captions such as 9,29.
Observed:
1,35
